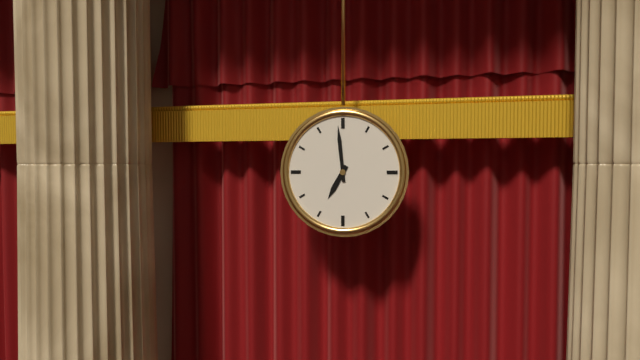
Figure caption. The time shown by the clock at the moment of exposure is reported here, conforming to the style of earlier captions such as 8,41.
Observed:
6,59
